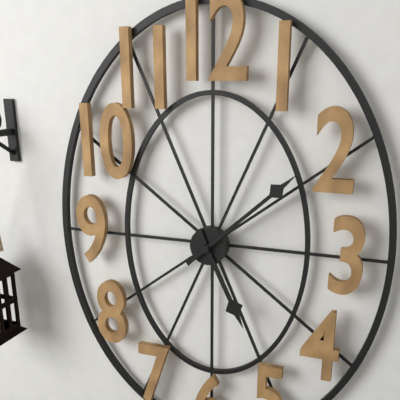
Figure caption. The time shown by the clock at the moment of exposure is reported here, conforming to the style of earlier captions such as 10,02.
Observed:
5,08
